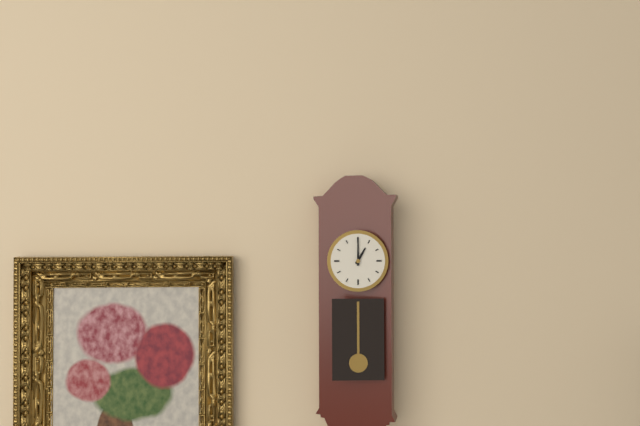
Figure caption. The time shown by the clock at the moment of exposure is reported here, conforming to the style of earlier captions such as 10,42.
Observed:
1,00
